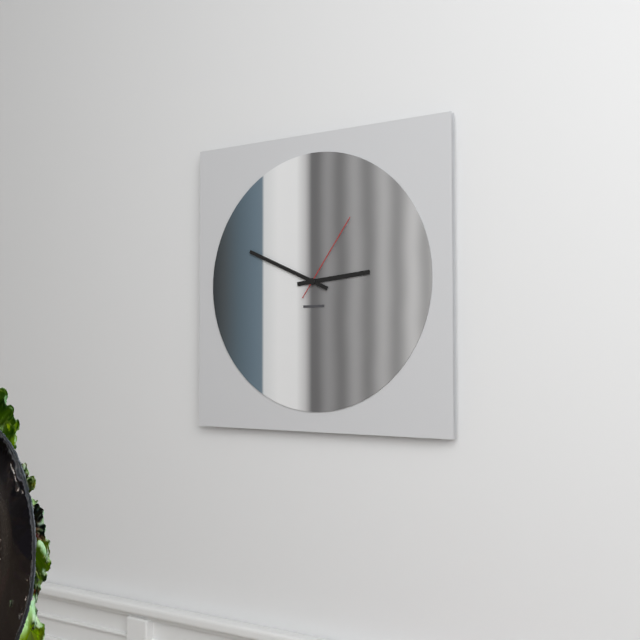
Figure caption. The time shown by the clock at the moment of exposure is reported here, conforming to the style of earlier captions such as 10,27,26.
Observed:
2,49,06
